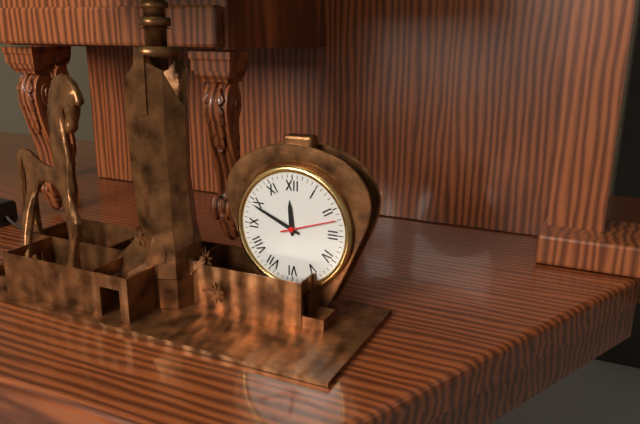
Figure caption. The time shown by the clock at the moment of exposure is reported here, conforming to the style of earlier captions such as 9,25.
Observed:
11,49
